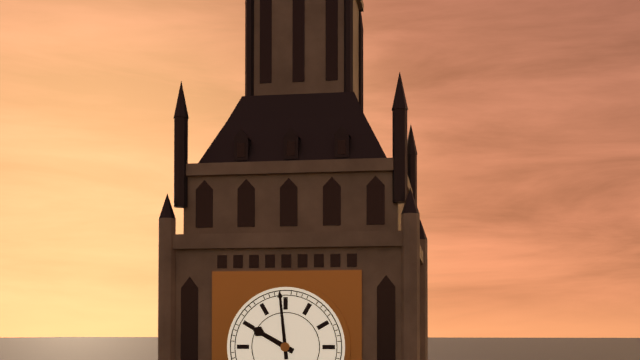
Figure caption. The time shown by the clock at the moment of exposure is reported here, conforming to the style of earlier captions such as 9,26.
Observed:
9,59
